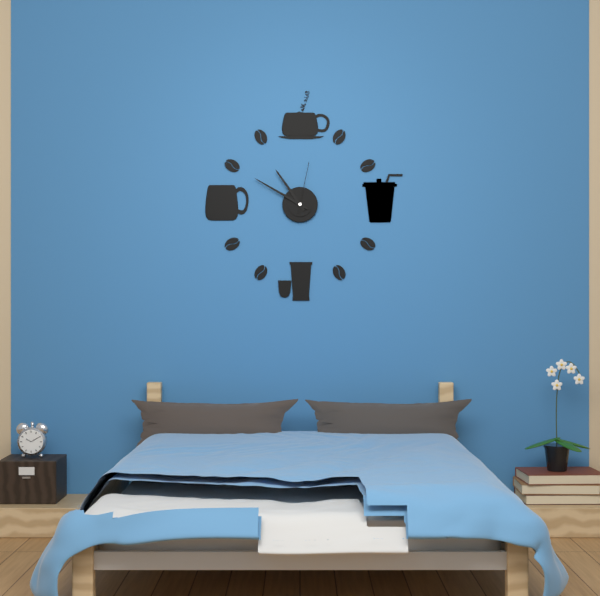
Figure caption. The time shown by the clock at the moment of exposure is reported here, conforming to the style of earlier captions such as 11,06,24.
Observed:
10,50,02
